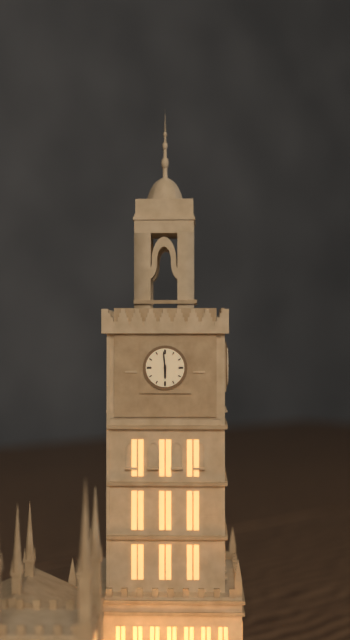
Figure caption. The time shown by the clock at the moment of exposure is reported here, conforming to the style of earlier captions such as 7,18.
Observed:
5,59
